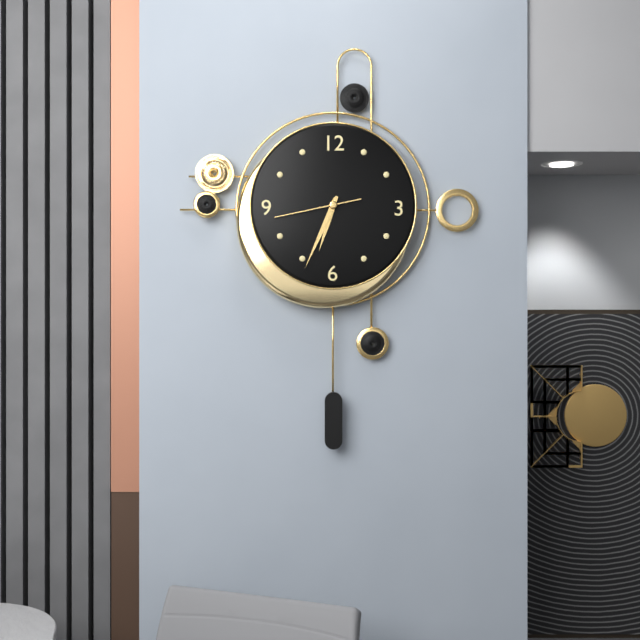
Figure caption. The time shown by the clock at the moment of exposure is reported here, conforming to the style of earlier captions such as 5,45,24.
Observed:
6,34,43
